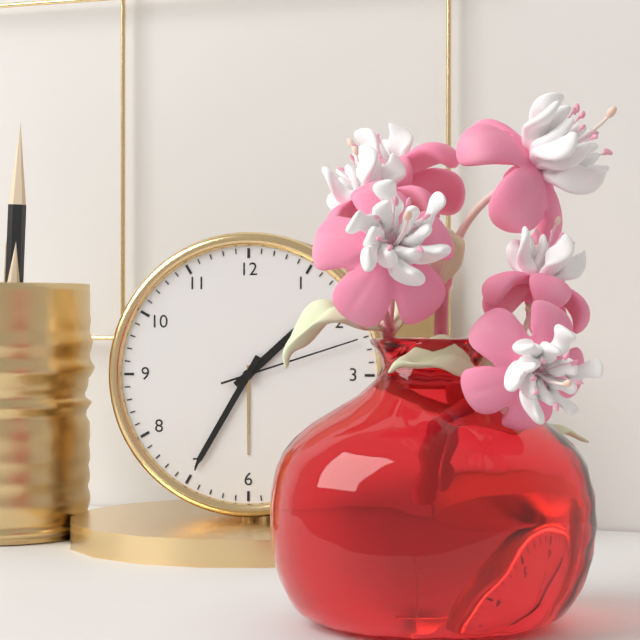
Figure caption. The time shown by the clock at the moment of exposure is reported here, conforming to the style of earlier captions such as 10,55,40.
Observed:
1,35,12
